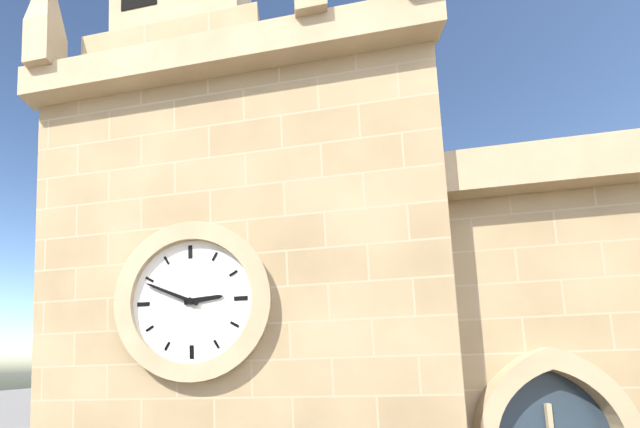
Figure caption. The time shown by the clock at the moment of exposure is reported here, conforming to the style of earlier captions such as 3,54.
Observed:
2,49
